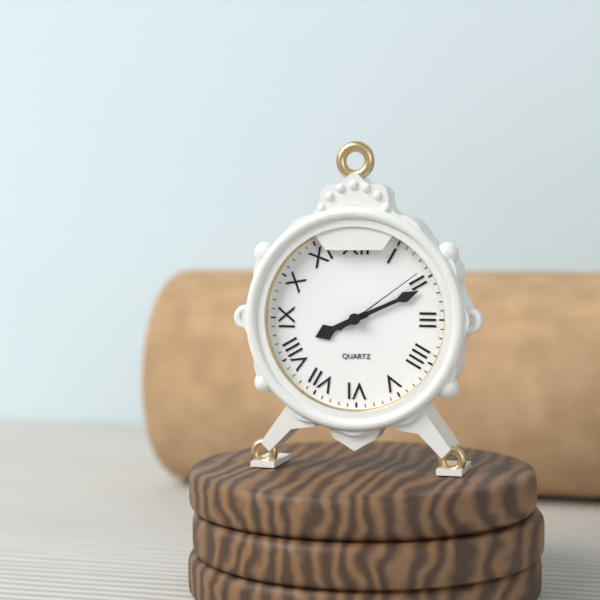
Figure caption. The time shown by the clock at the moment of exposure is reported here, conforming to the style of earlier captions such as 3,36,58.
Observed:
8,11,09
